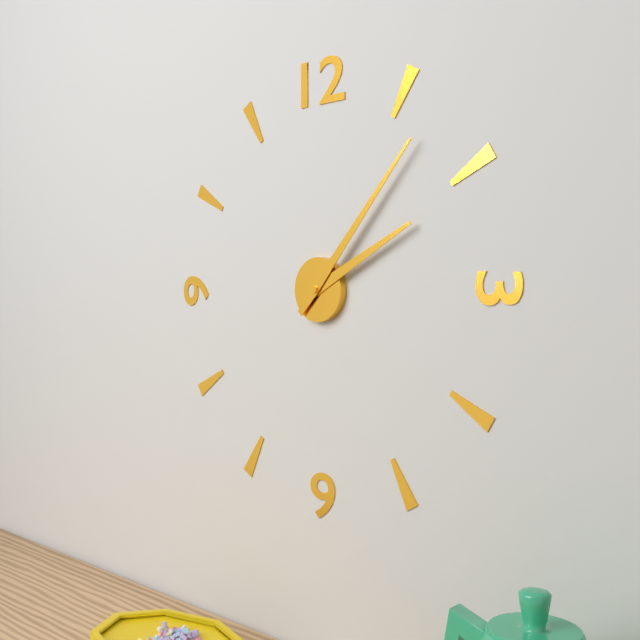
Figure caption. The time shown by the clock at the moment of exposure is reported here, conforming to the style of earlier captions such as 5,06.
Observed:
2,07
